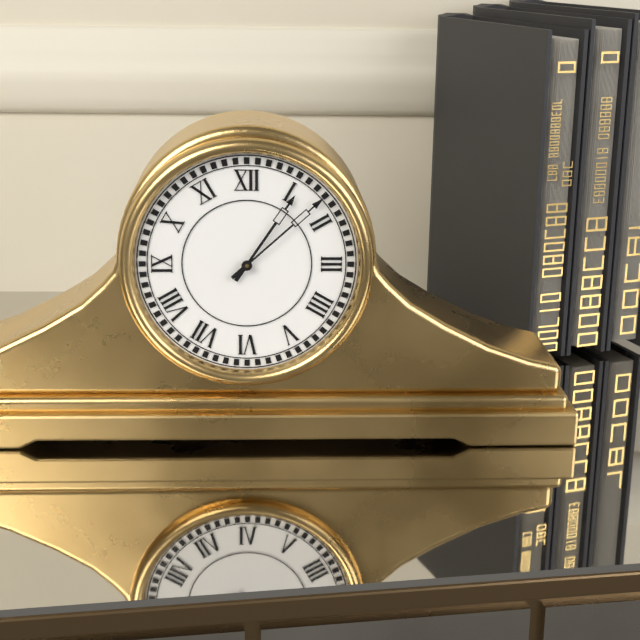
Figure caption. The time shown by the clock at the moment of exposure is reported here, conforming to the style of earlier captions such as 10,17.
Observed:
1,08
